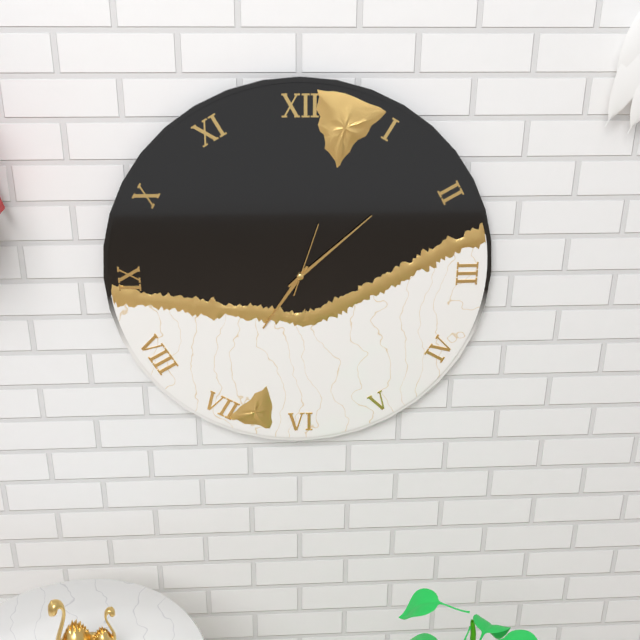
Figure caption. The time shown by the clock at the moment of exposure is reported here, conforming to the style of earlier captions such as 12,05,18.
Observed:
7,08,03
